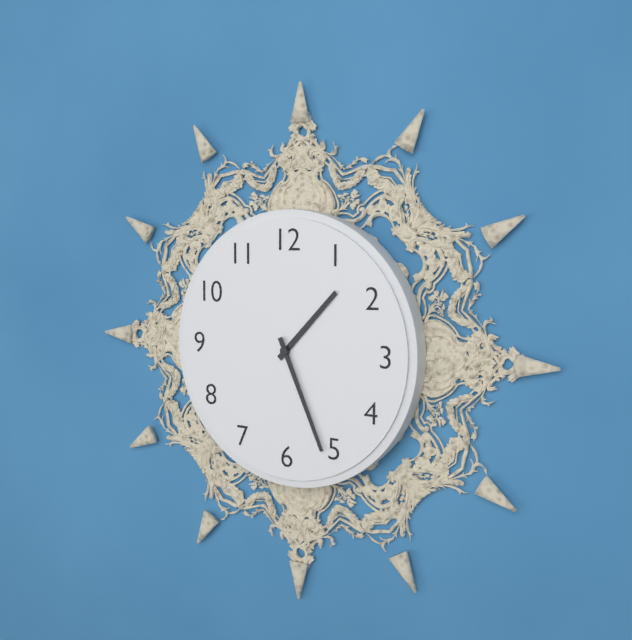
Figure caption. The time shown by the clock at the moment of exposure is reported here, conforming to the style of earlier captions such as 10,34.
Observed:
1,26
